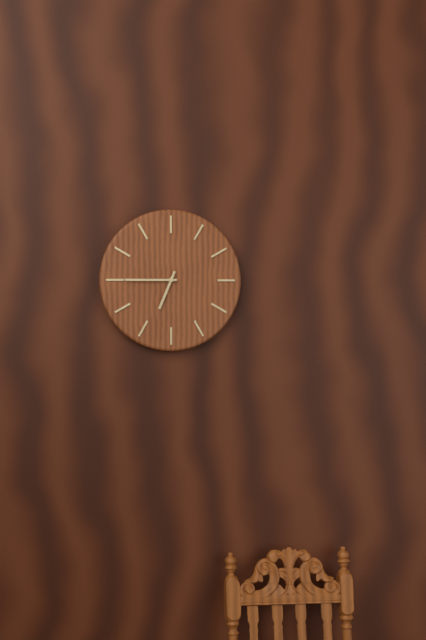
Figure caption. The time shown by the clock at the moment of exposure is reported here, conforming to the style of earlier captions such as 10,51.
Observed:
6,45
